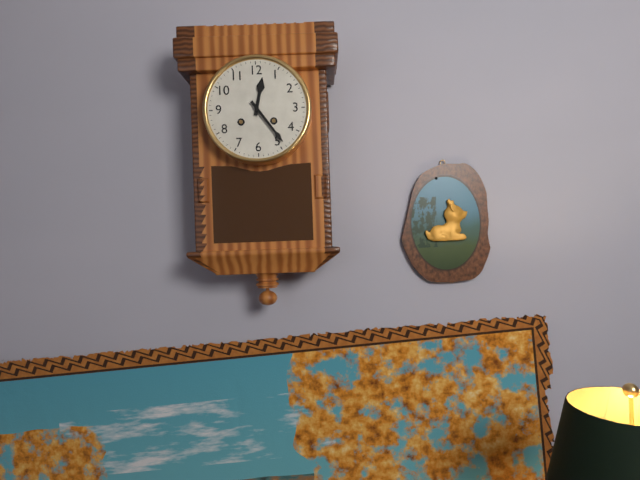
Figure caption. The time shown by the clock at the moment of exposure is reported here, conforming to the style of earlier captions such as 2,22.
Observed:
12,24
